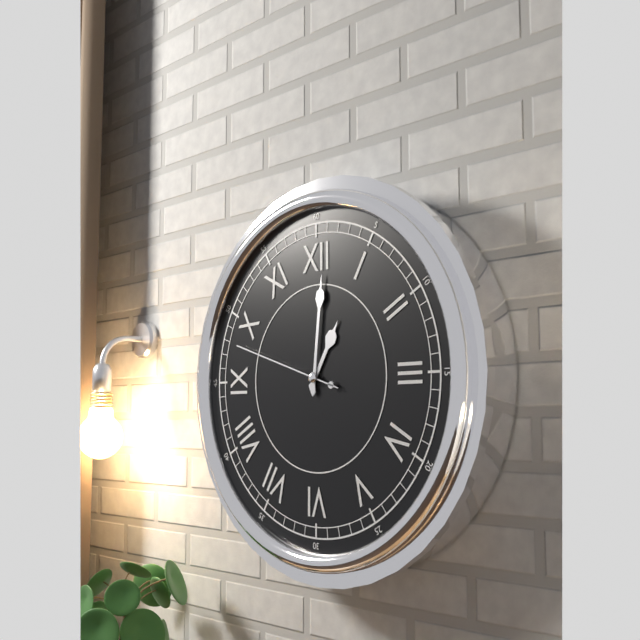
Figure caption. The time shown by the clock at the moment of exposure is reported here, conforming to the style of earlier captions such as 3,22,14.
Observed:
1,01,48
